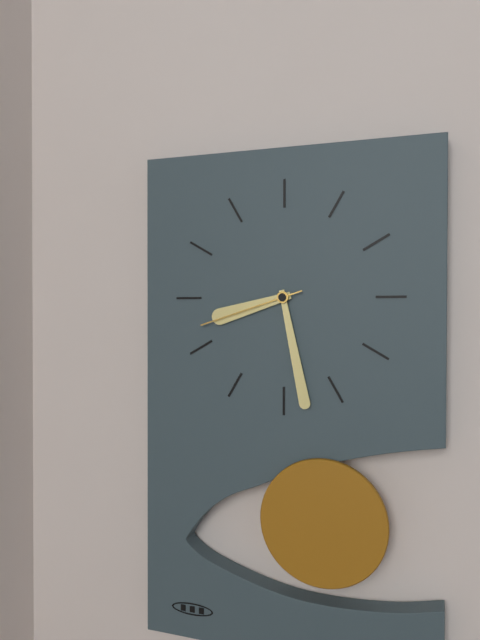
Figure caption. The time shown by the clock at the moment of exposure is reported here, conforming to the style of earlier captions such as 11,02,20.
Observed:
8,28,42
